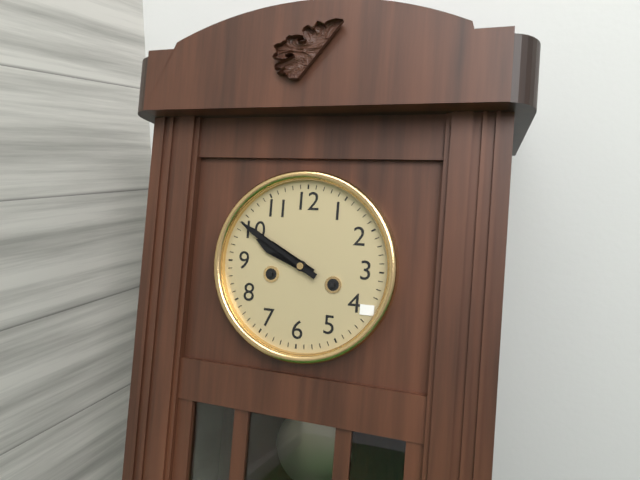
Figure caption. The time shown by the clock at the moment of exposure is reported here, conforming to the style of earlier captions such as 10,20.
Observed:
9,50
